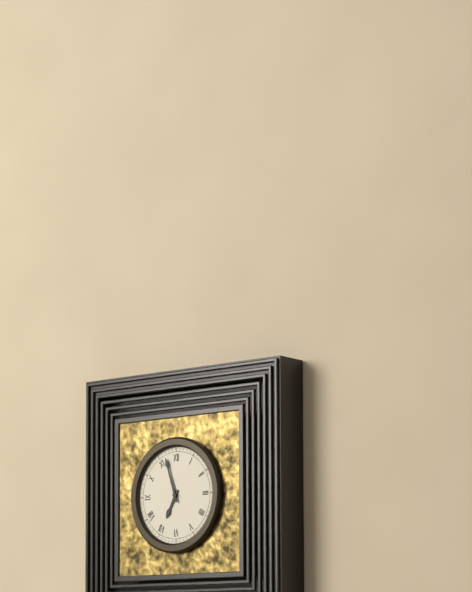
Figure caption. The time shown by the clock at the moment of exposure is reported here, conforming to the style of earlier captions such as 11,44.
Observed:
6,57
